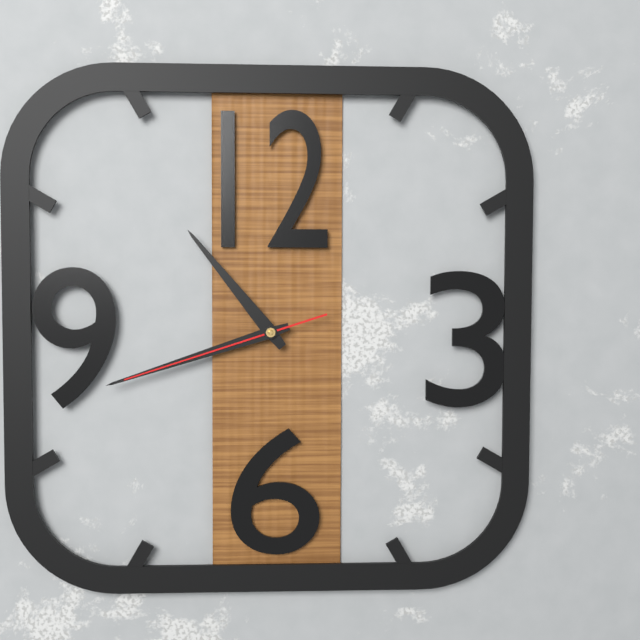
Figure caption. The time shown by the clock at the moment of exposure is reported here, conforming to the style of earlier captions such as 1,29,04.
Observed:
10,42,42
